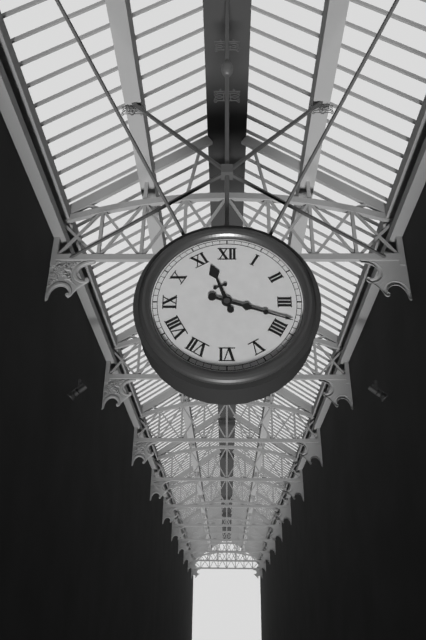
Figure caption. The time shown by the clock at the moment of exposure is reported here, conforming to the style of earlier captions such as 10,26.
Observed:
11,18
